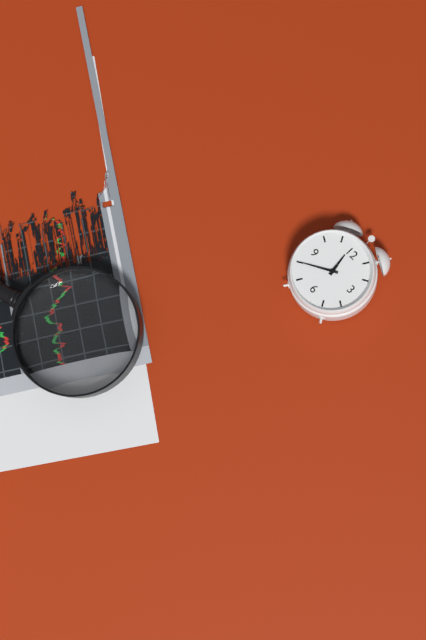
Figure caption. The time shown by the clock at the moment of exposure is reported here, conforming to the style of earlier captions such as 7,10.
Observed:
11,40
